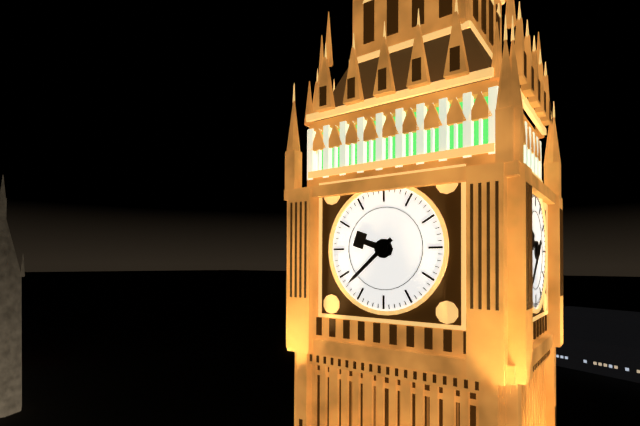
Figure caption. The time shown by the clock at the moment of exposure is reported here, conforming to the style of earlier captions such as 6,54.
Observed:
9,38
